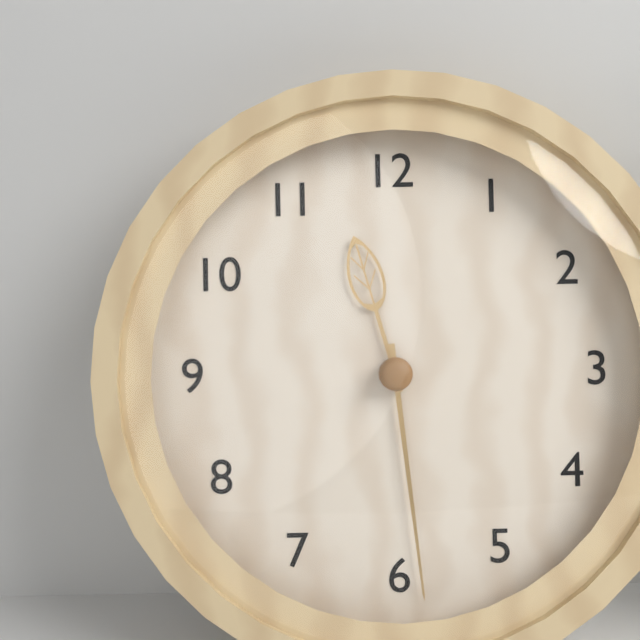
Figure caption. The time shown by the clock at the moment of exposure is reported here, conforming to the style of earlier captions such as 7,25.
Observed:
11,29
